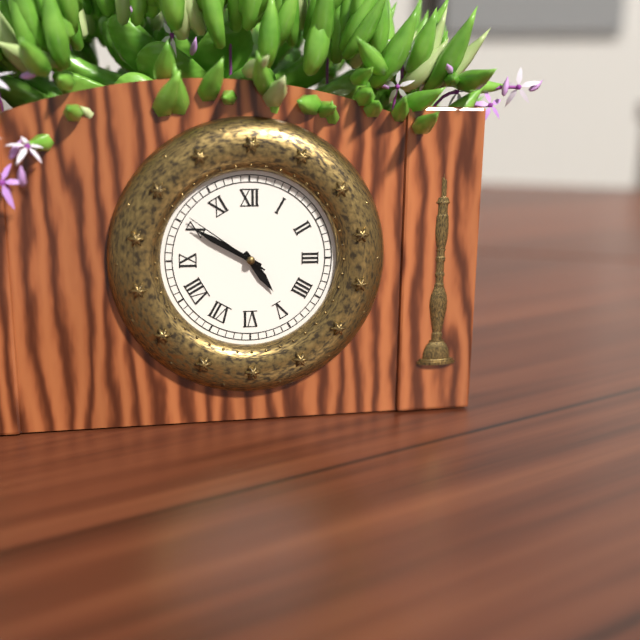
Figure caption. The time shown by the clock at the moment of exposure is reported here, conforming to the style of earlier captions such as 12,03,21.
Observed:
4,50,51
